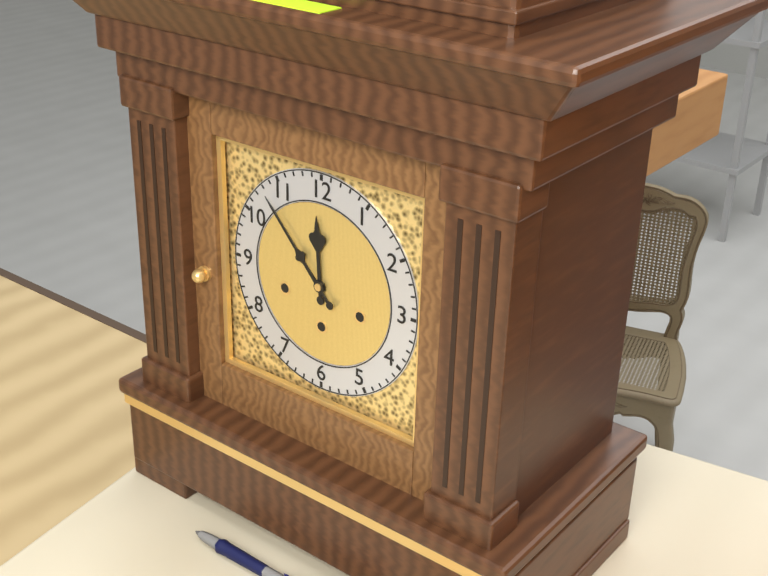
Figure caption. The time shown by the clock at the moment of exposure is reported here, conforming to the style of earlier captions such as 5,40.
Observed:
11,53
